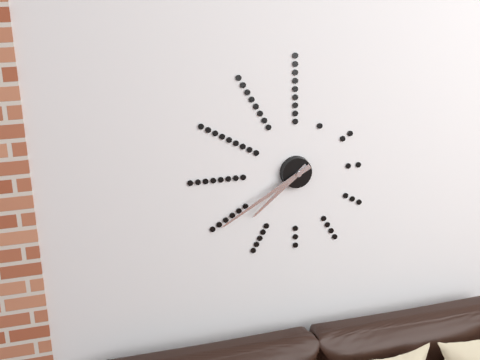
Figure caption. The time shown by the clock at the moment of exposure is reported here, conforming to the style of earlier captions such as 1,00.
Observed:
7,40
